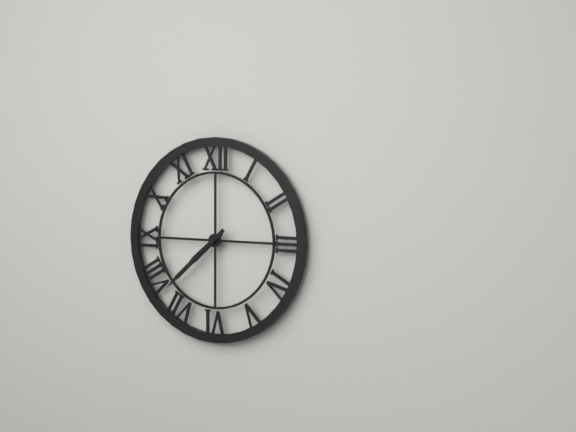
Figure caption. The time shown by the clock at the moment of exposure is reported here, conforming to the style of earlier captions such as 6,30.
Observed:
7,38
